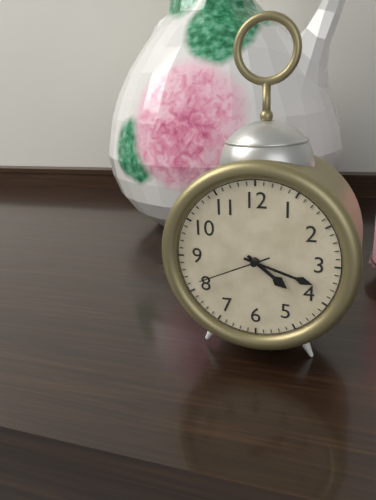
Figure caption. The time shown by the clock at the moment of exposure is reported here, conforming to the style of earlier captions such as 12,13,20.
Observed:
4,18,41
